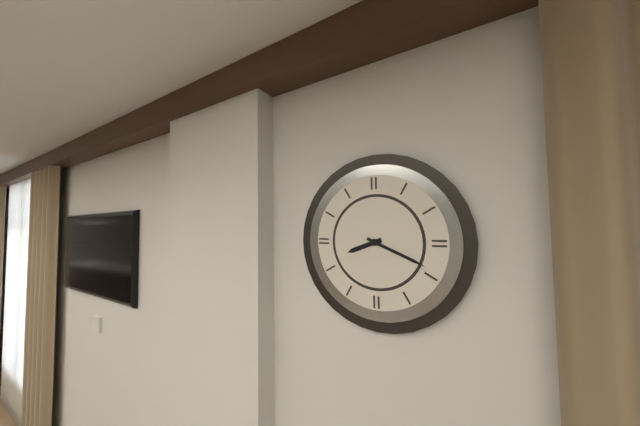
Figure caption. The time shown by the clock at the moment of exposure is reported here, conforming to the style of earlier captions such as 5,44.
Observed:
8,19
